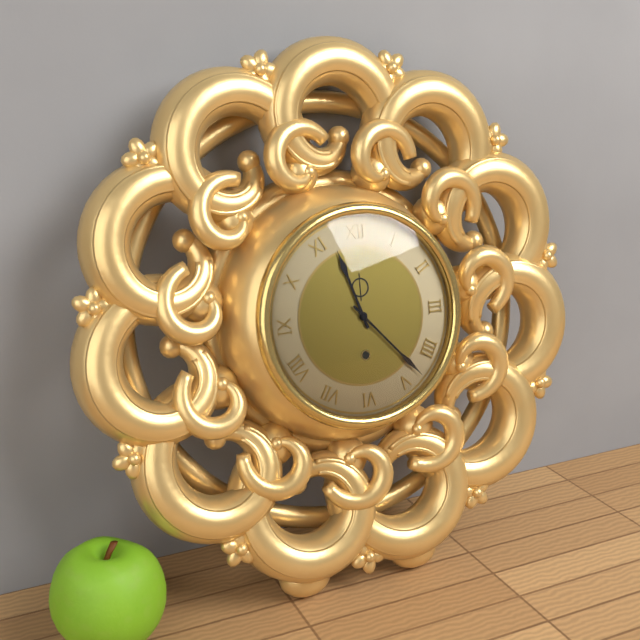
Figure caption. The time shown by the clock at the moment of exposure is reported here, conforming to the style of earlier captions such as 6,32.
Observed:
11,23
